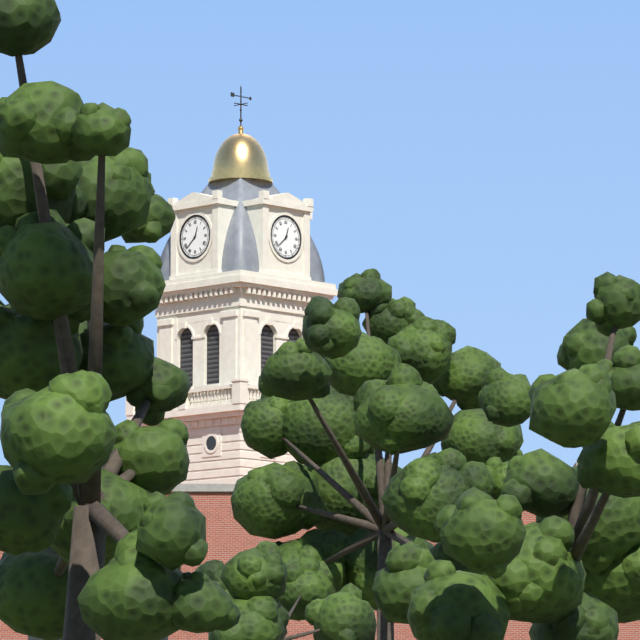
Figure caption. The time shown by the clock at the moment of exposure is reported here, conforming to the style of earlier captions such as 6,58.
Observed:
12,38
